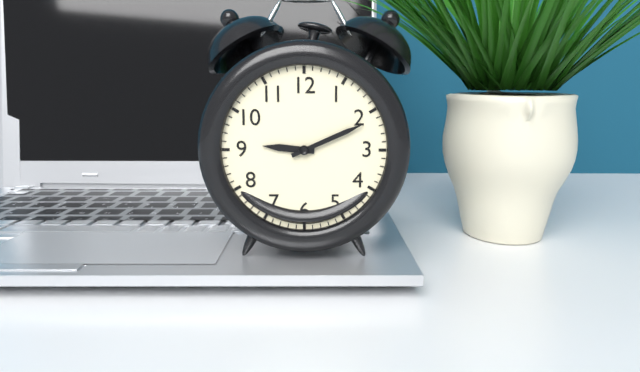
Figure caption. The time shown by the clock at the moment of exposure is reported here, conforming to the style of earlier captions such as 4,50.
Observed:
9,11
